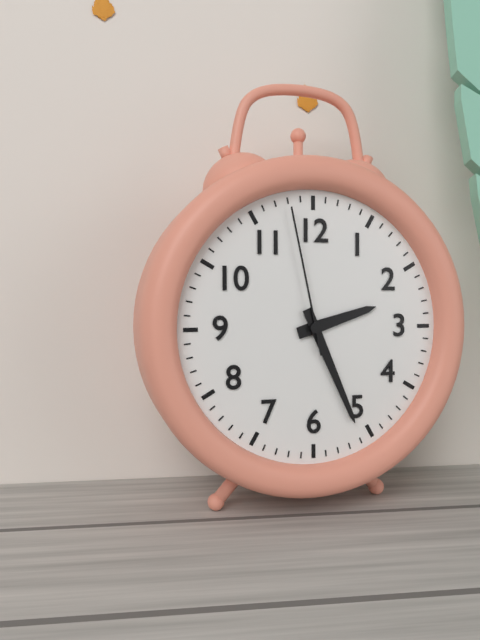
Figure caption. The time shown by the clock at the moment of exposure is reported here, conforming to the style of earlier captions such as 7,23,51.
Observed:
2,26,58
